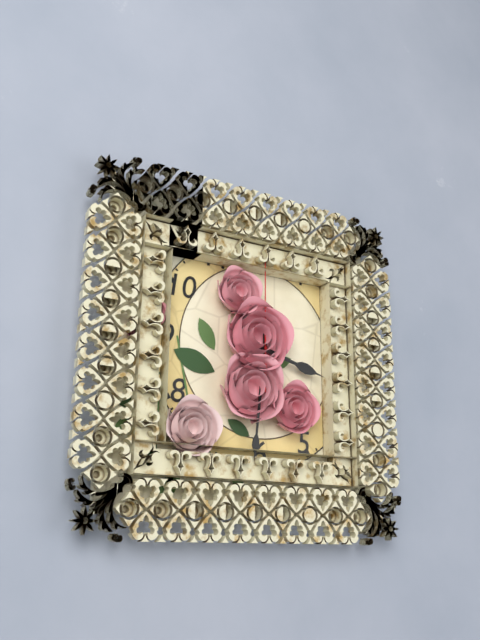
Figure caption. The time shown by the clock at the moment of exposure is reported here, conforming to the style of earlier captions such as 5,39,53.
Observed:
3,31,00
